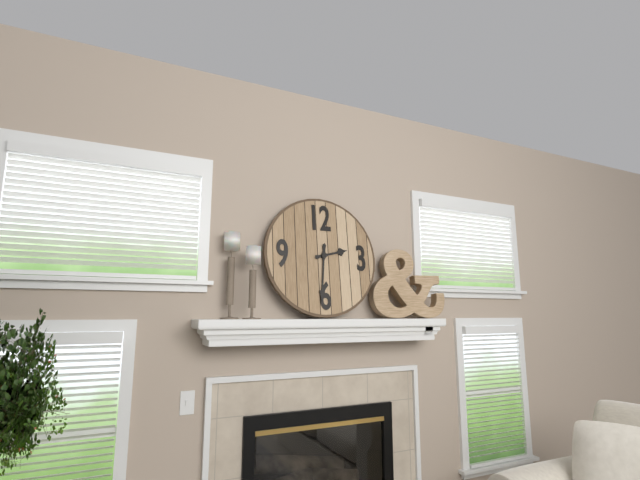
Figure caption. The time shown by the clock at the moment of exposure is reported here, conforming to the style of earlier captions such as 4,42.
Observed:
2,31
